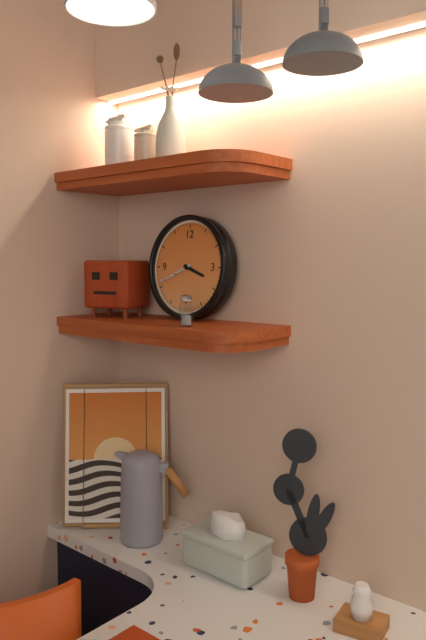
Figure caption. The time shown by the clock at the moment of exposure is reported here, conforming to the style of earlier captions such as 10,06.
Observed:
3,41
